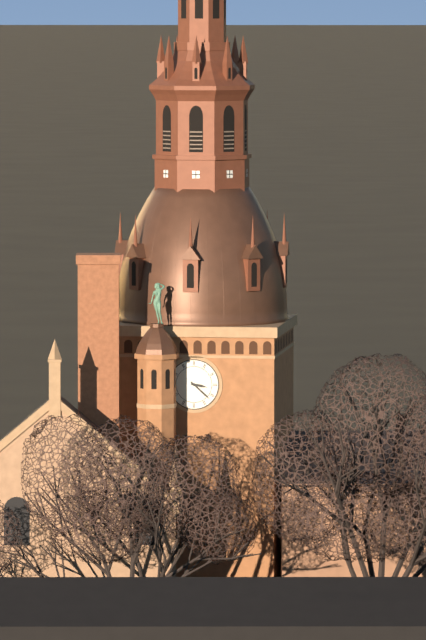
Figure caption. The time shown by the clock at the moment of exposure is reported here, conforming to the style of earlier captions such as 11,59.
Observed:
3,22
